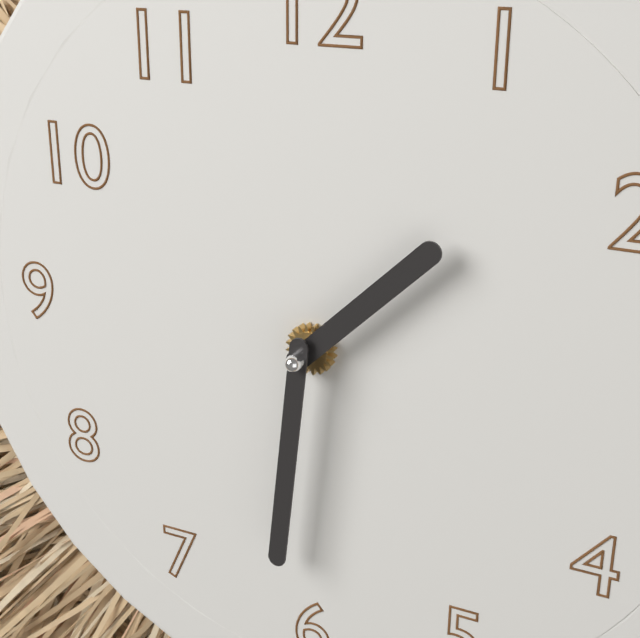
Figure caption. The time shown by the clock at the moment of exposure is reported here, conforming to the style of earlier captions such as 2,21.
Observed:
1,31
